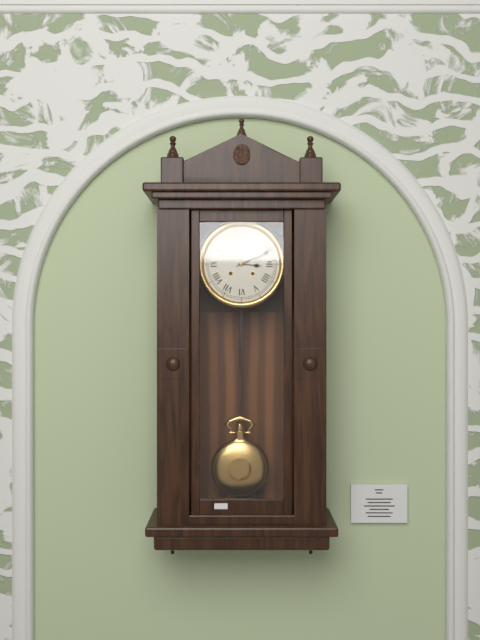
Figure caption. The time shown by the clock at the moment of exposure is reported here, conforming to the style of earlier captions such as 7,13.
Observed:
3,11
